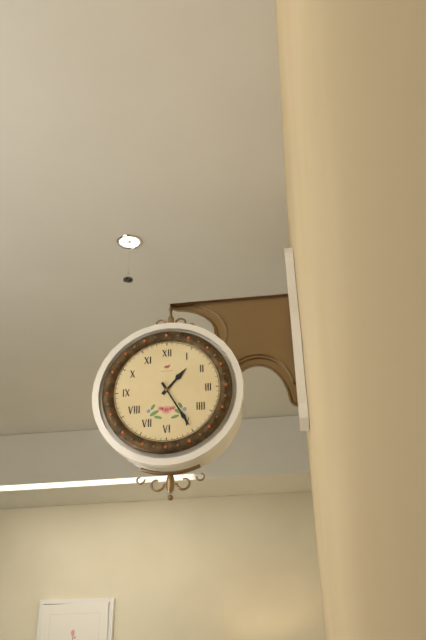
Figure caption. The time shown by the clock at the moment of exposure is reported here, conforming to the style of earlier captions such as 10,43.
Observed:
1,25
